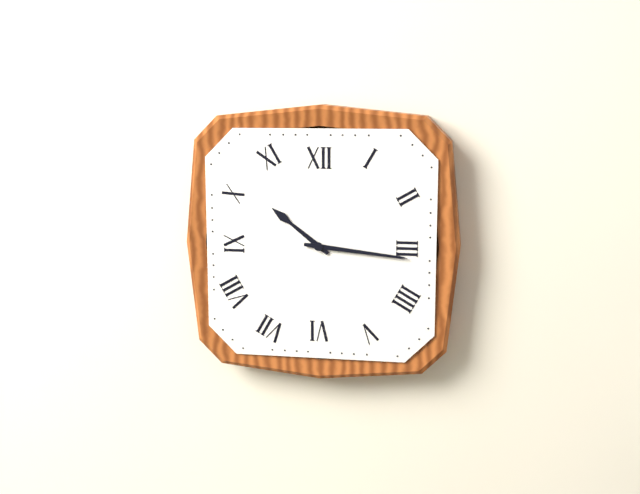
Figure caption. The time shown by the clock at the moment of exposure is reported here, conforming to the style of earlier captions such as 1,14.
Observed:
10,16
